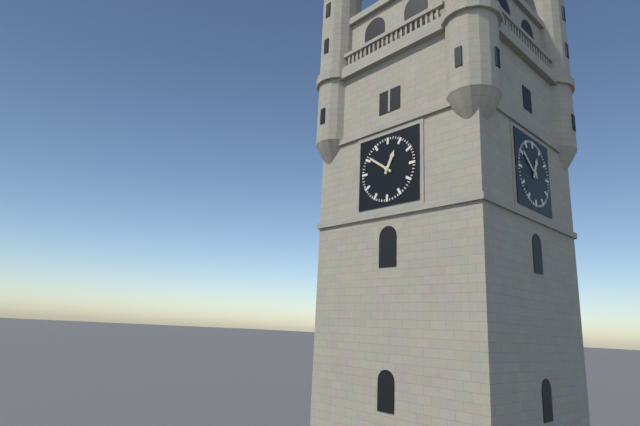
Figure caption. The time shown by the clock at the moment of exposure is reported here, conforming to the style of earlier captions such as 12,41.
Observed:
12,51
